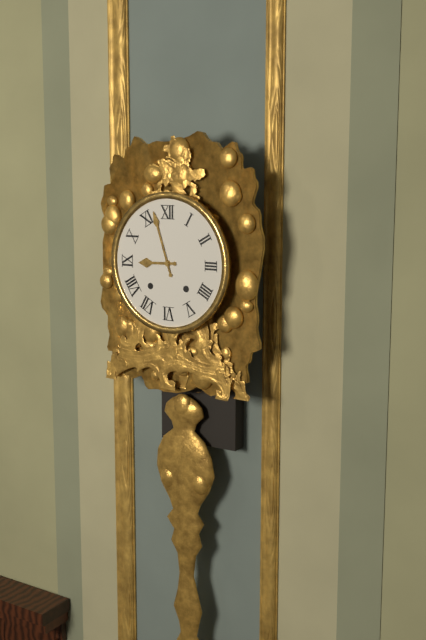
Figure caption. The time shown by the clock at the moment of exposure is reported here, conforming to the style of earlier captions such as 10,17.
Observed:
8,57
